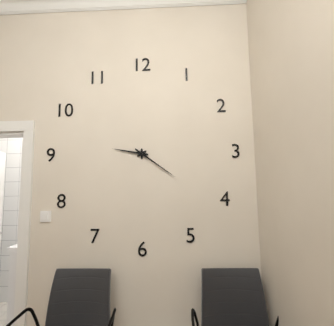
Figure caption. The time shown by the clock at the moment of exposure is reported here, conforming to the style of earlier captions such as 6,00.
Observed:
9,21
